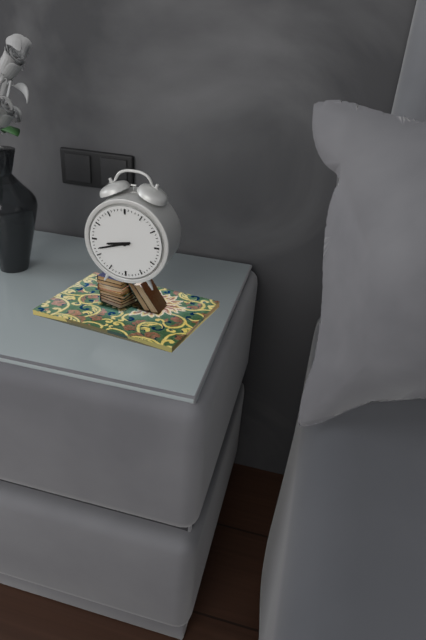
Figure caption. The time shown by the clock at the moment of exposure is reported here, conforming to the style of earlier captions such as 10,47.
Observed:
8,42
